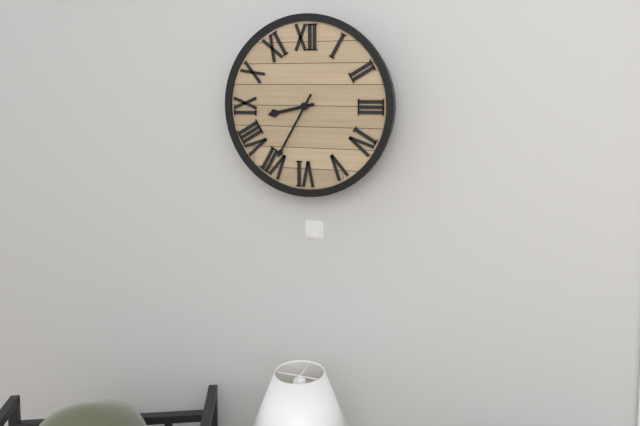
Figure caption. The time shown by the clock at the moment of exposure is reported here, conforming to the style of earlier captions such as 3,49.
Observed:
8,35
